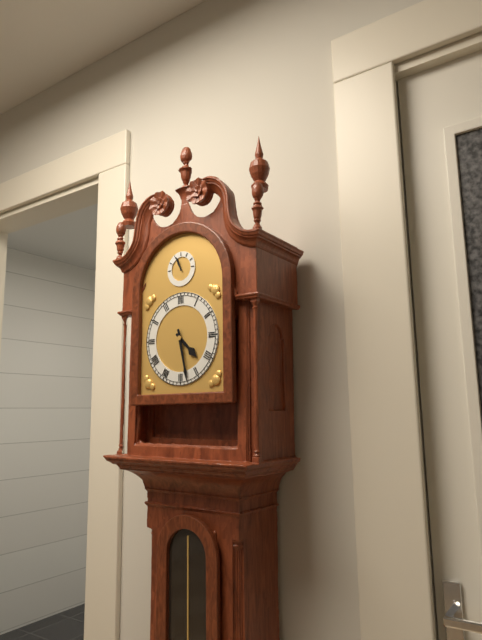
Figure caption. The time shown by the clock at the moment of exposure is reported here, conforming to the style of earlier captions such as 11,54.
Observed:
4,28
